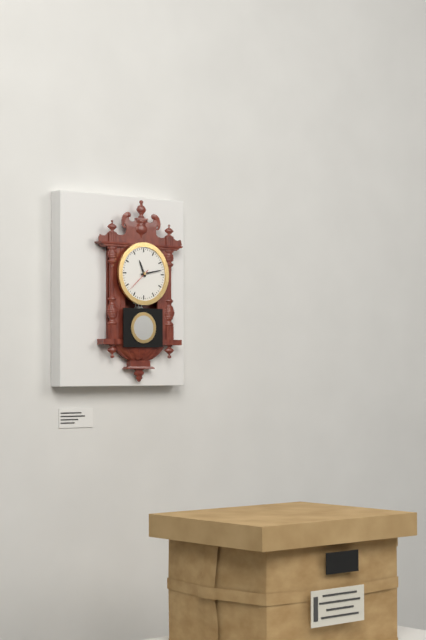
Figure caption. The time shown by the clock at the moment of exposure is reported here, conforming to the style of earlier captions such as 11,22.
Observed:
11,13
